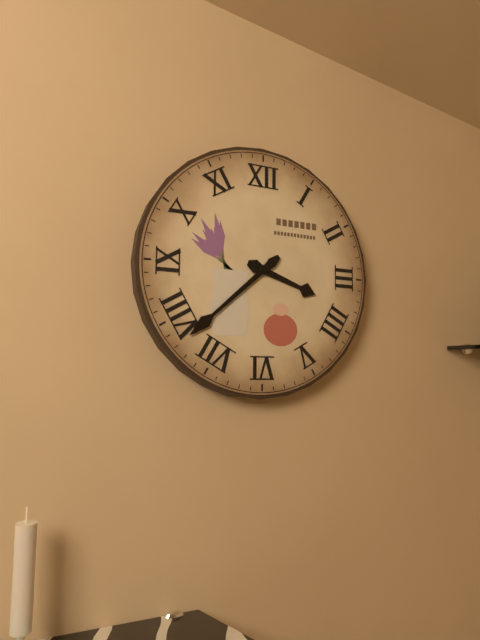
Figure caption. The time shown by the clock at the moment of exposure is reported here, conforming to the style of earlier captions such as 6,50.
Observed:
3,38
